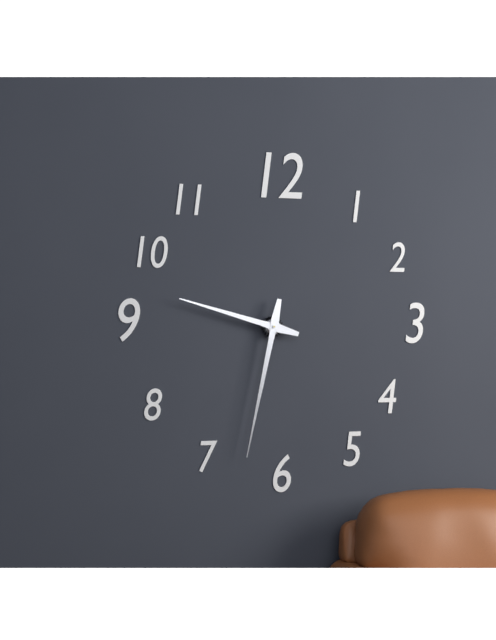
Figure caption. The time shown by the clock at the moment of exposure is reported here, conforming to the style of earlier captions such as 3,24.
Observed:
9,32
